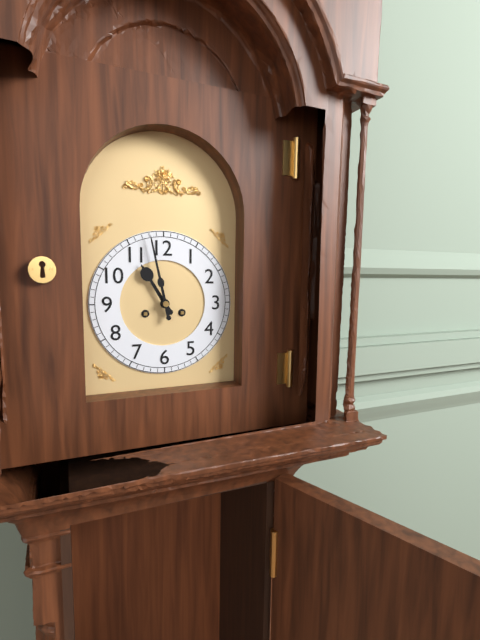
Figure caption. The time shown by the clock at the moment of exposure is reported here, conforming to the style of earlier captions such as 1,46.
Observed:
10,58
